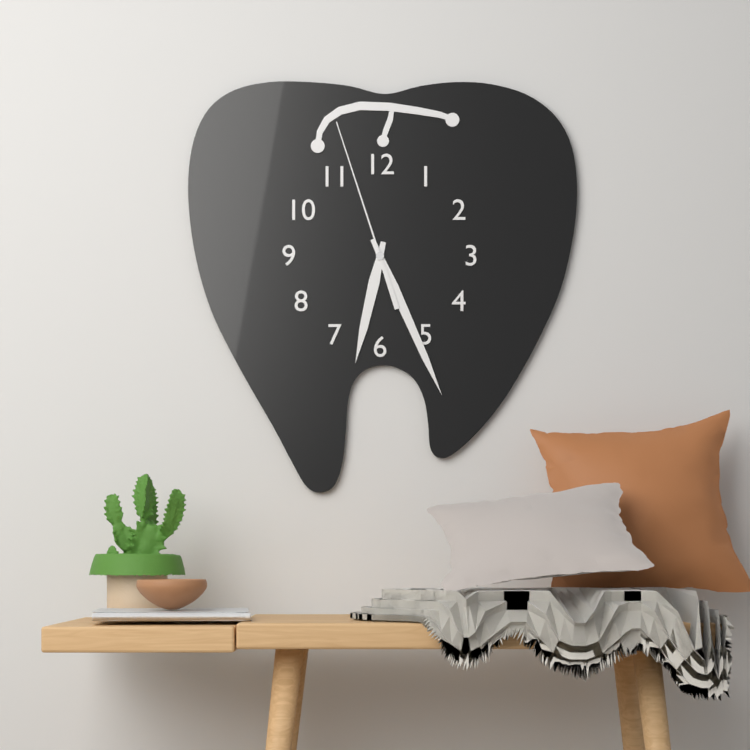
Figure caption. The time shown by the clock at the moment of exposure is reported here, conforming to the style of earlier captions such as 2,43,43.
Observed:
6,26,57
